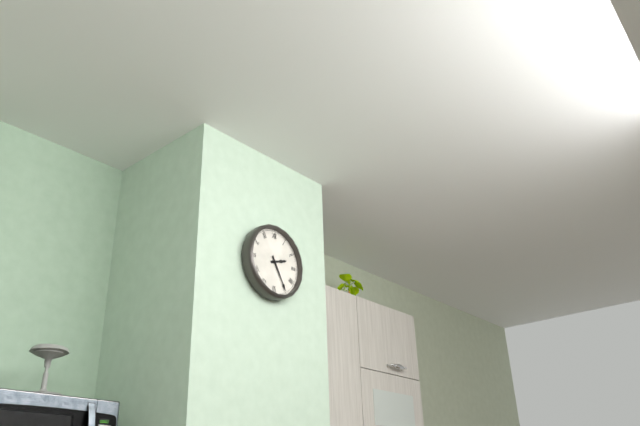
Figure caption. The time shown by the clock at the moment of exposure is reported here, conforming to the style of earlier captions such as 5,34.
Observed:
2,25
